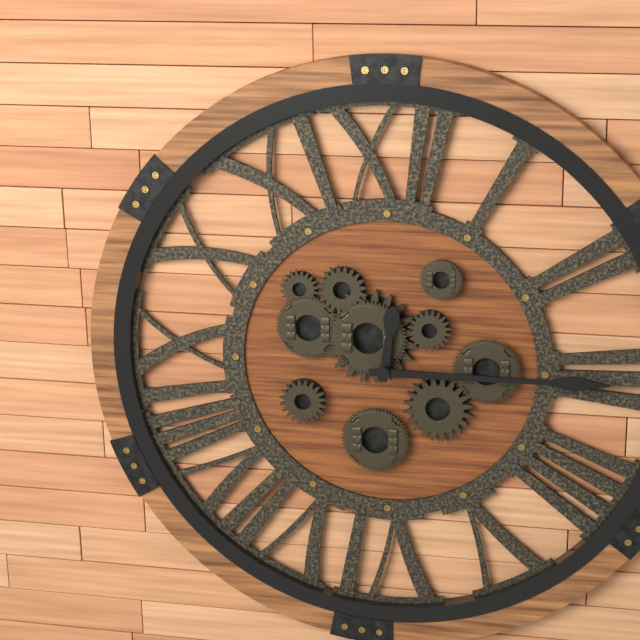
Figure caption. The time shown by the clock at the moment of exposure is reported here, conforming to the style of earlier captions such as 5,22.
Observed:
12,15
